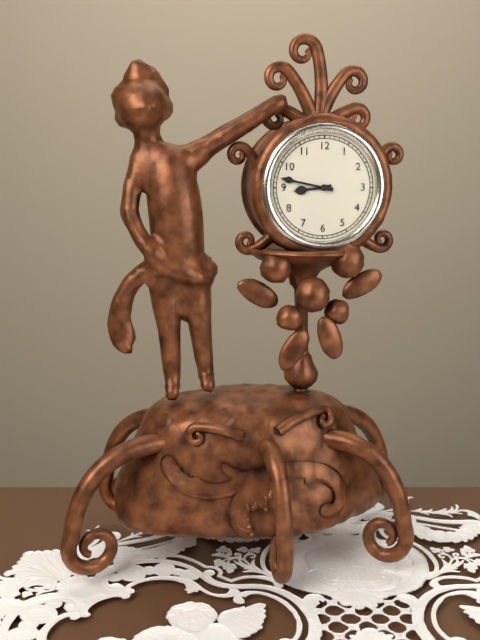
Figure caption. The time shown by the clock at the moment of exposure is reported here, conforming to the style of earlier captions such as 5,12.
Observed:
8,47
